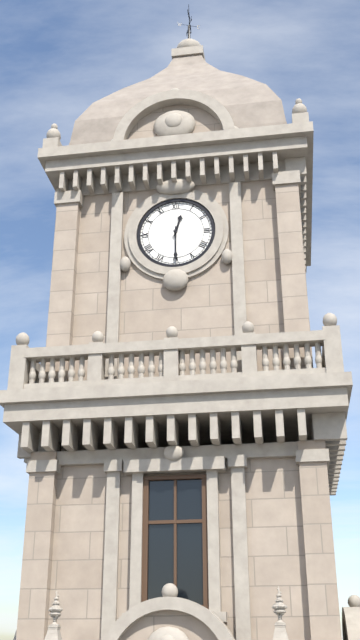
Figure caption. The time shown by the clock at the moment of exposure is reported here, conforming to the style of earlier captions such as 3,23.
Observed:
12,30
